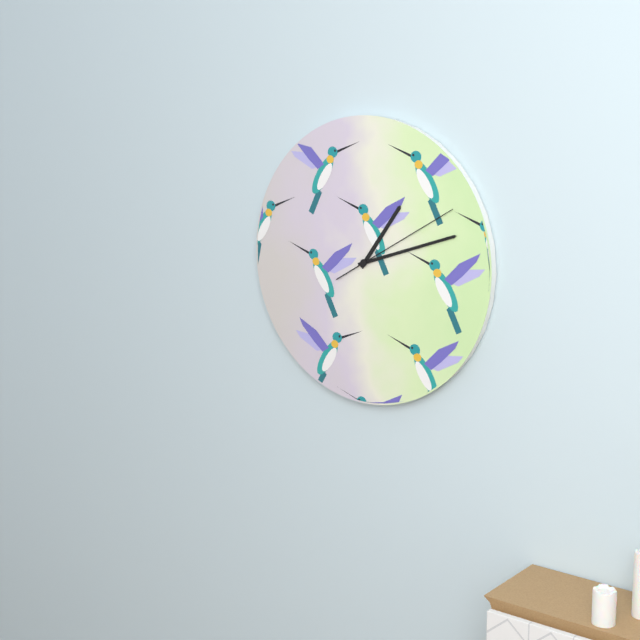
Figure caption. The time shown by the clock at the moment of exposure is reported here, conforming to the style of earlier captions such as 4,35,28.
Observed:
1,12,10
